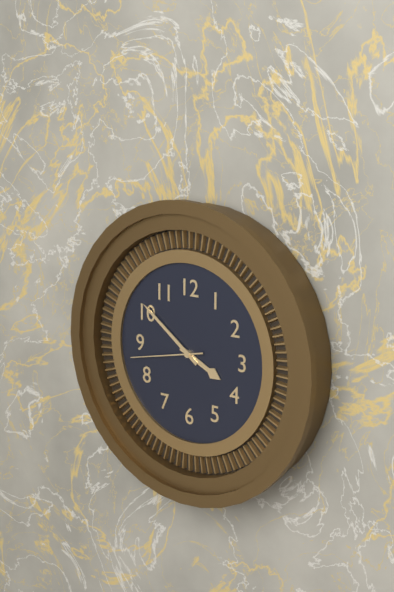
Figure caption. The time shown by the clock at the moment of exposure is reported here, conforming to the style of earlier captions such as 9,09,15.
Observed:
3,51,43
